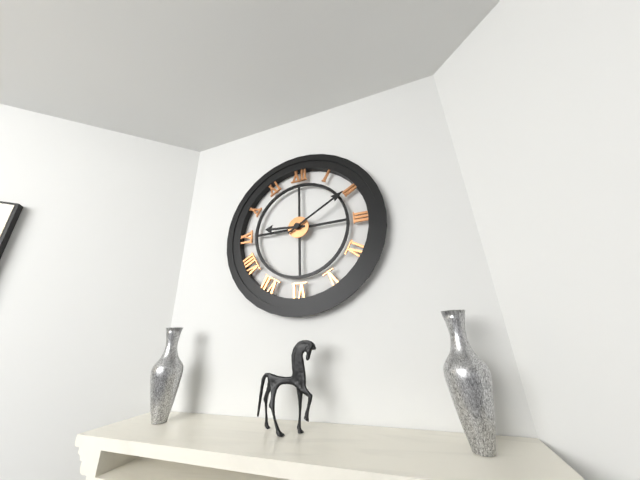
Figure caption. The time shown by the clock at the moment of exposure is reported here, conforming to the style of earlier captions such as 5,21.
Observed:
9,10
